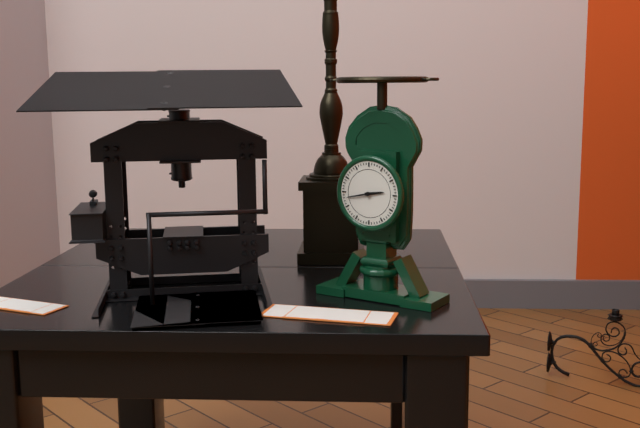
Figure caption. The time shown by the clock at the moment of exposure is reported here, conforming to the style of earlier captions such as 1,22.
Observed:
2,43
